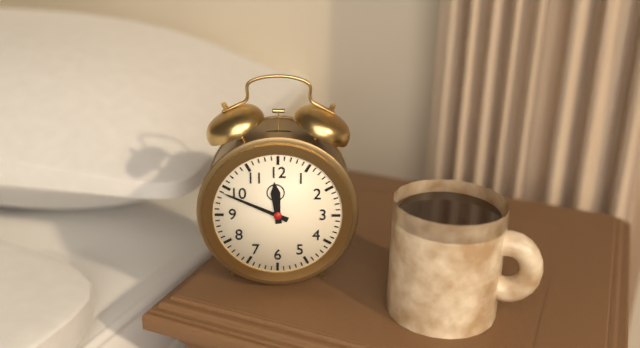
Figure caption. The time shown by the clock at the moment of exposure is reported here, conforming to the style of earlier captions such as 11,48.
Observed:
11,49
